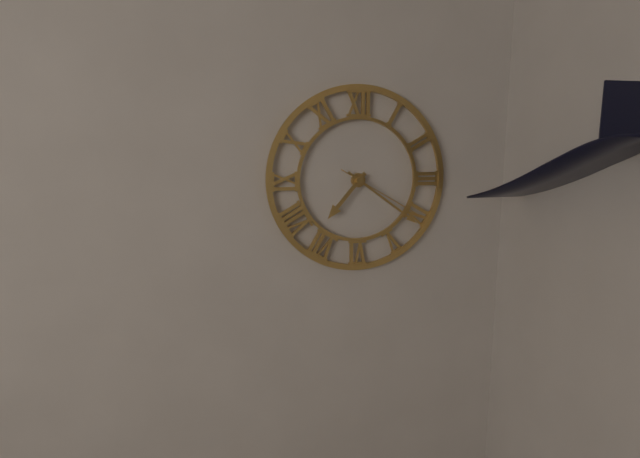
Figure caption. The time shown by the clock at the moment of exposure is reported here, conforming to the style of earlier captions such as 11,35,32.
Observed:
7,21,20
